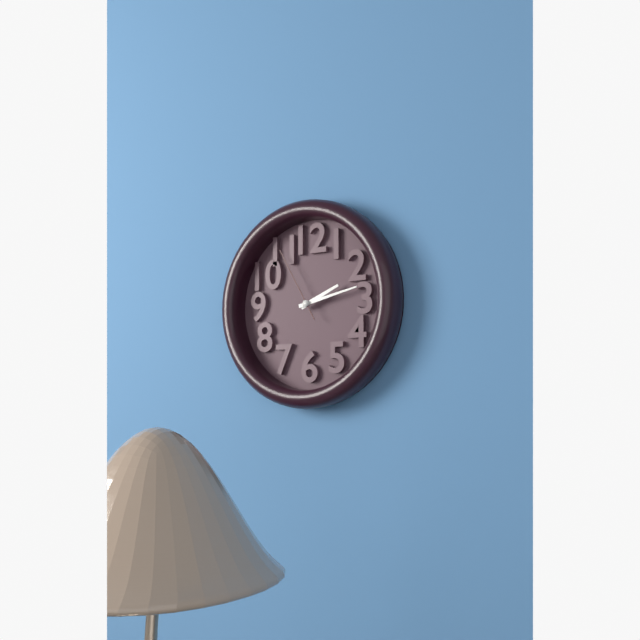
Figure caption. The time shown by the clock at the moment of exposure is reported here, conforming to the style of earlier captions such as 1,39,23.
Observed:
2,13,55
